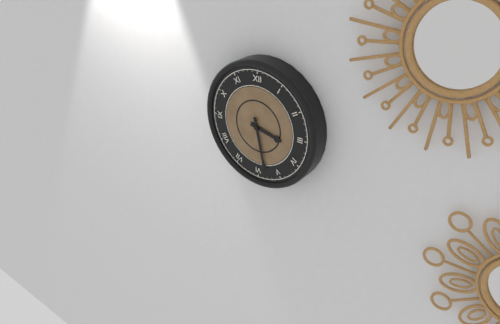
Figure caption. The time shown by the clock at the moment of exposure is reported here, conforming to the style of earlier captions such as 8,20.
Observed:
3,28
